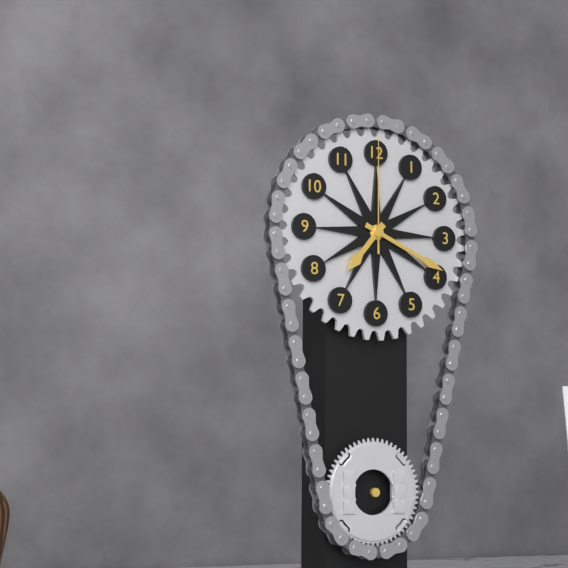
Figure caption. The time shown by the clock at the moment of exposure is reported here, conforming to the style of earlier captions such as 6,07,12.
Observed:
7,19,00
